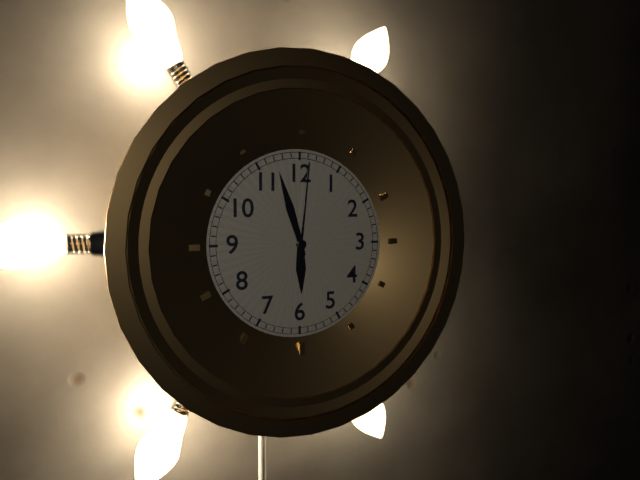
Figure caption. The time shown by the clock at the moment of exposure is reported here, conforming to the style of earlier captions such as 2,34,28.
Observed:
5,57,01
